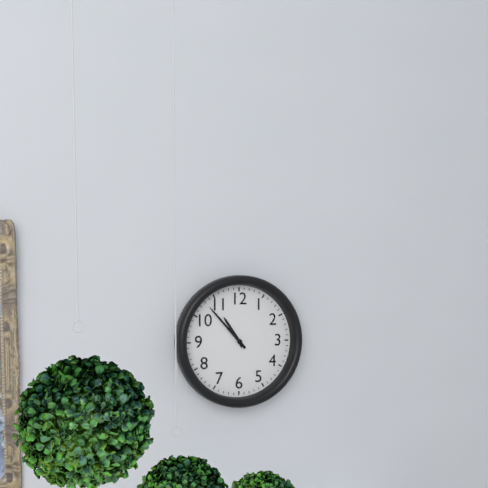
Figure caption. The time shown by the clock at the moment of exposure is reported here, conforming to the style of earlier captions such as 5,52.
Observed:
10,53
